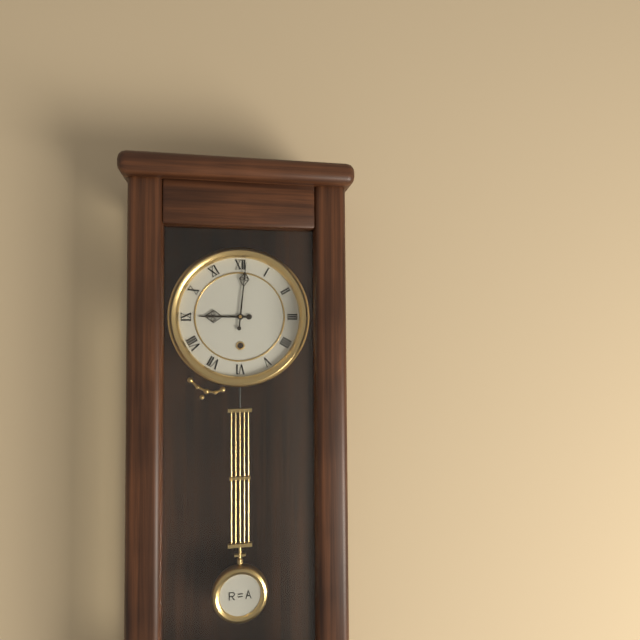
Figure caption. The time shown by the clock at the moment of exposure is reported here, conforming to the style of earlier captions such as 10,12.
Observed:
9,01
